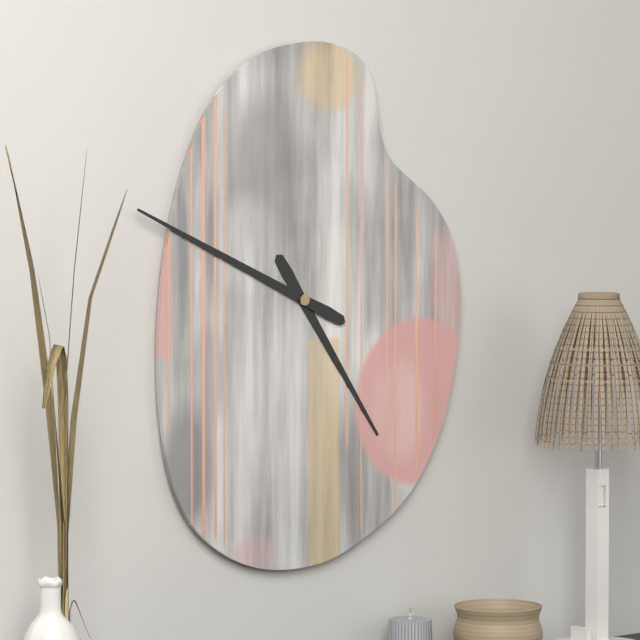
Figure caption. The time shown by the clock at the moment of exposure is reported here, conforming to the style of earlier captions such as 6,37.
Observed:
4,49
